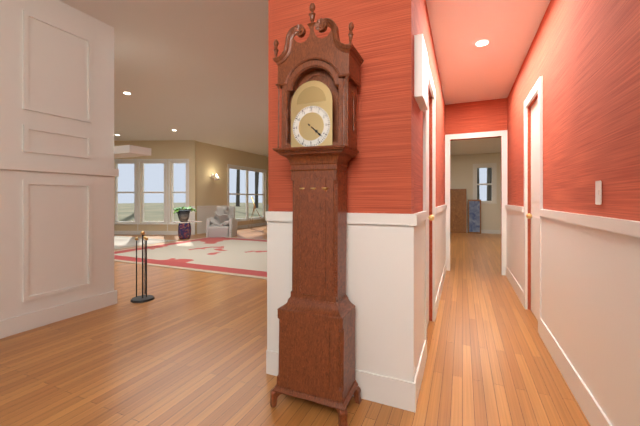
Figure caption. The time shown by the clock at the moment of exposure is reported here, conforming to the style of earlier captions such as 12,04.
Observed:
4,22
